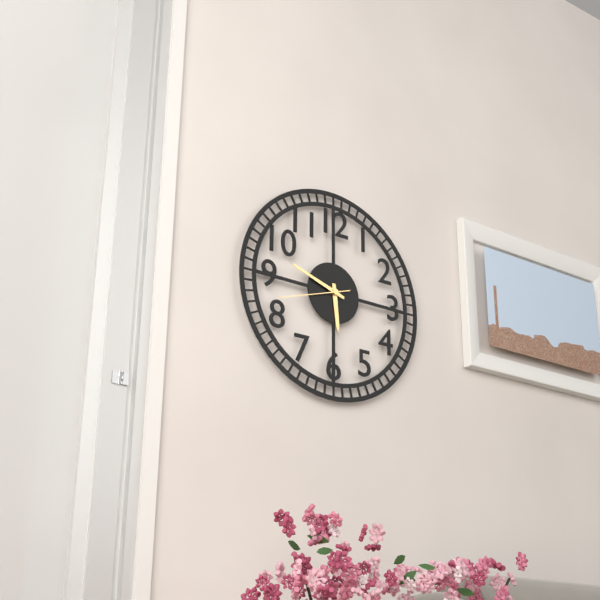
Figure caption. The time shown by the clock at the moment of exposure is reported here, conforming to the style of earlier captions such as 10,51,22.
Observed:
5,48,42
